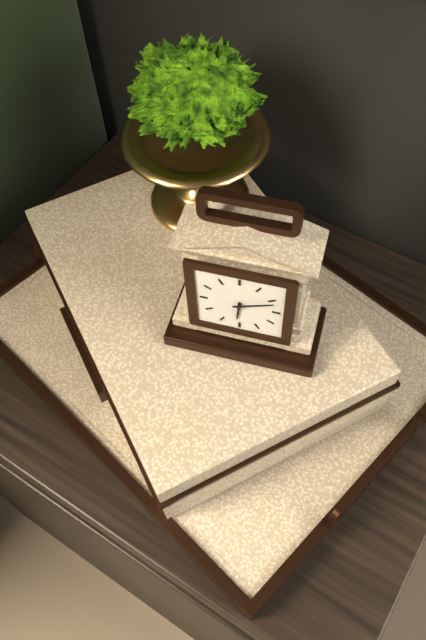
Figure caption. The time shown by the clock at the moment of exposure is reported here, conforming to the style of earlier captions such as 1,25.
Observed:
6,11
